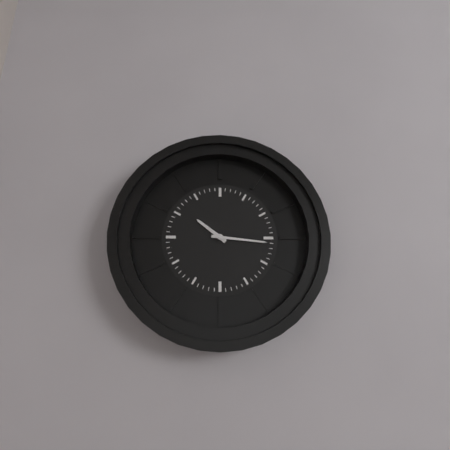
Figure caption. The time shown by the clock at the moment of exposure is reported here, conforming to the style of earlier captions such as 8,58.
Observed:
10,16
